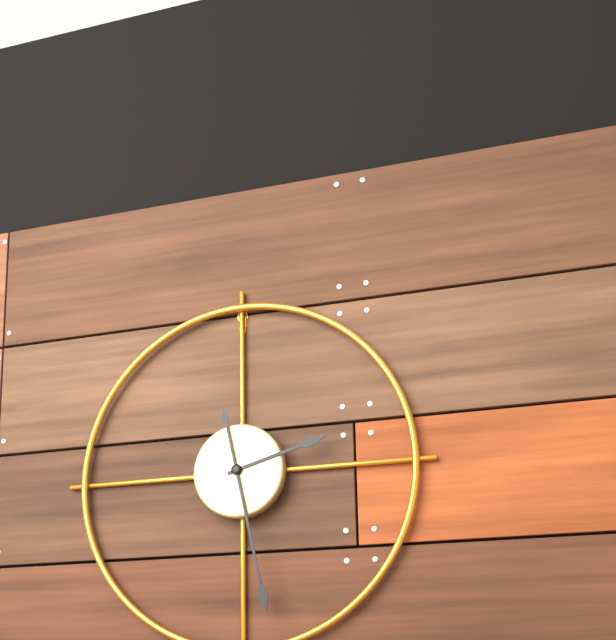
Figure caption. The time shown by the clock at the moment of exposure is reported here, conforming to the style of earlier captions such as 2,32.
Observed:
2,28
